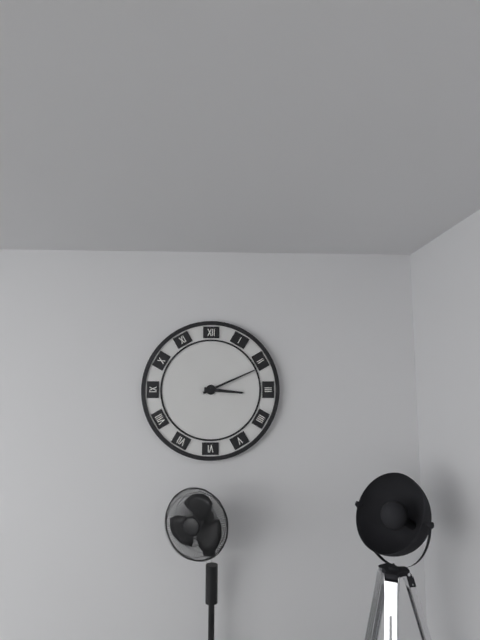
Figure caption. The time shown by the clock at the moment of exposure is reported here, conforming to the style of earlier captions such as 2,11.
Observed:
3,11
